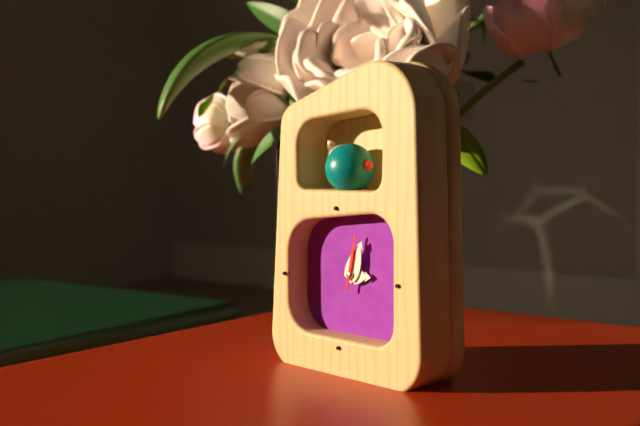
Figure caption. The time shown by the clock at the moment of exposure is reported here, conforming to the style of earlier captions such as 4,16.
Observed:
3,04
